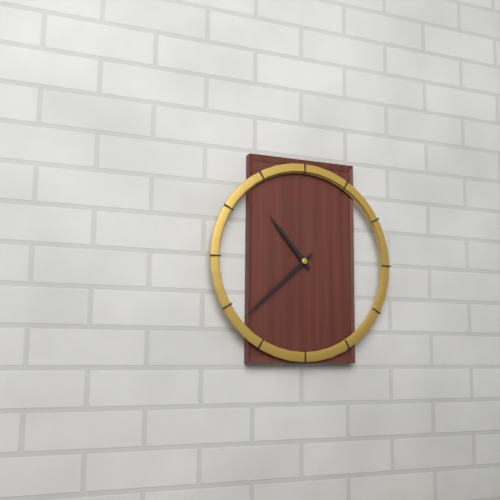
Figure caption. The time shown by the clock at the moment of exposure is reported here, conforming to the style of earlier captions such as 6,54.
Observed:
10,38
